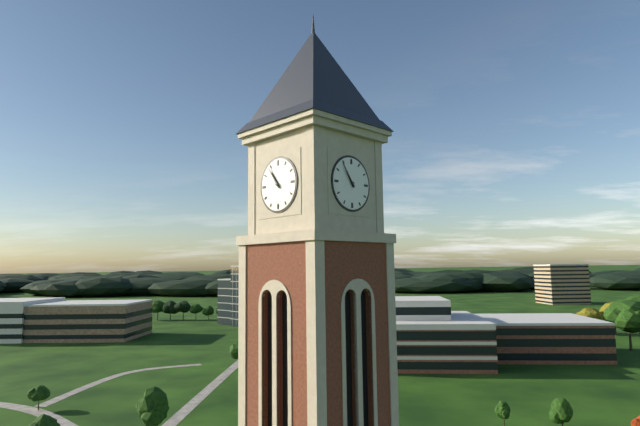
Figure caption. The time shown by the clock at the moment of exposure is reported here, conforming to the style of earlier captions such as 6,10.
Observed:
10,54
